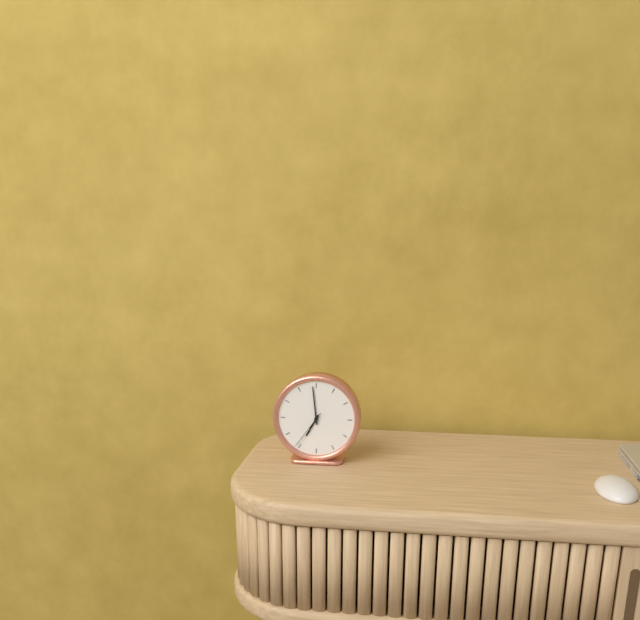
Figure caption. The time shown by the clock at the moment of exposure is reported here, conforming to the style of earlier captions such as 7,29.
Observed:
6,59
